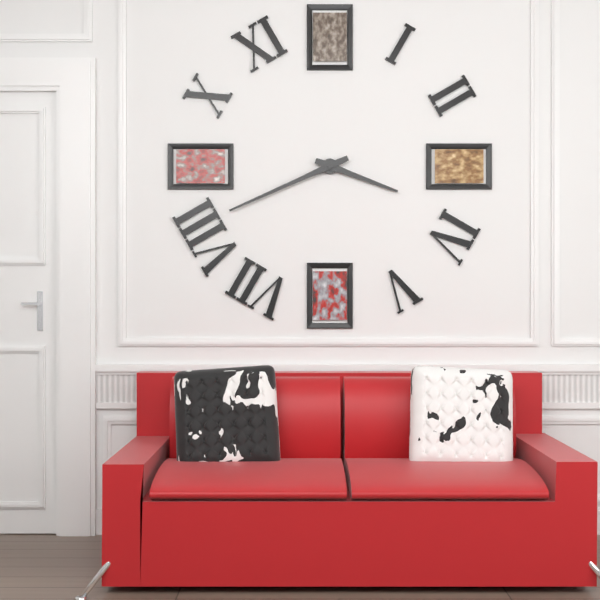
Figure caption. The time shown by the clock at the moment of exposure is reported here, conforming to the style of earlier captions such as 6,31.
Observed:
3,41
